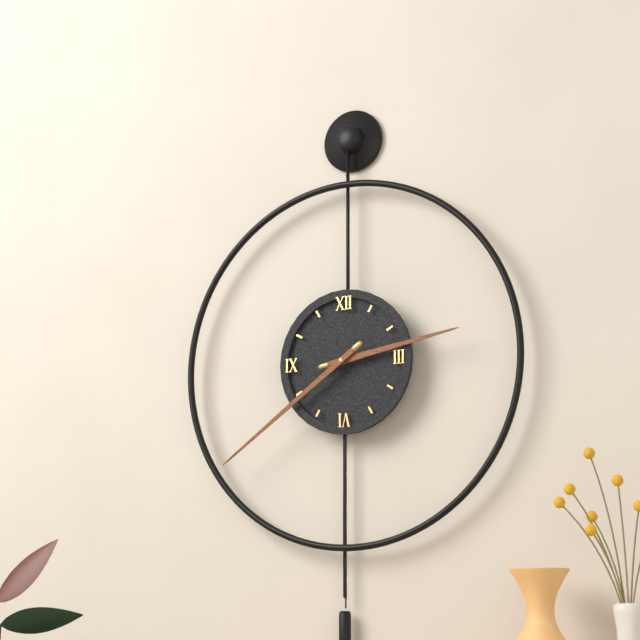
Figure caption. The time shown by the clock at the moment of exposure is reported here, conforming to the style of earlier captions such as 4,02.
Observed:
2,39
